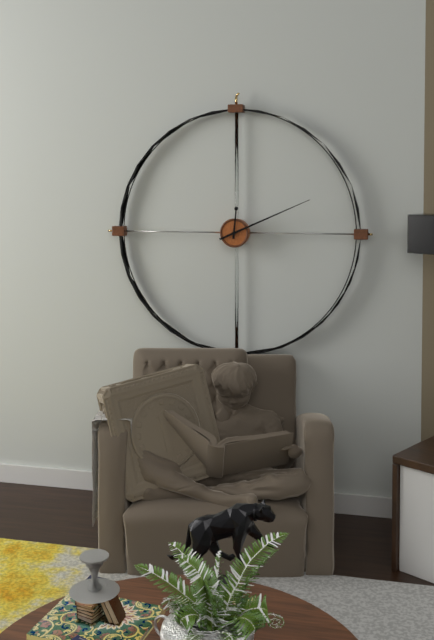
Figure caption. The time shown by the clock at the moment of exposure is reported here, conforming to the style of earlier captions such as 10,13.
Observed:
12,11
